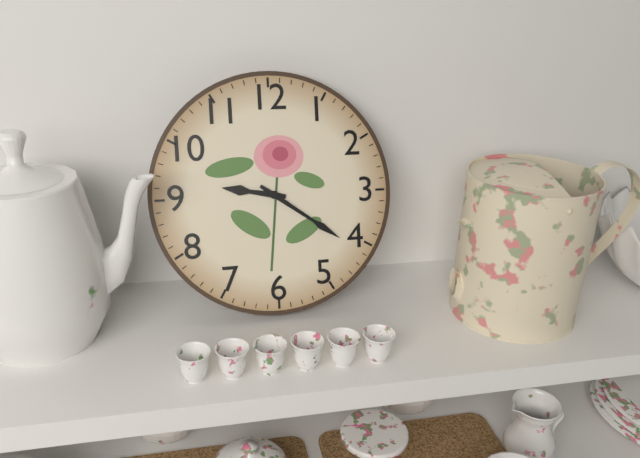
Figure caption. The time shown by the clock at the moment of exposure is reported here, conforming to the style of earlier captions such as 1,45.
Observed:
9,21
